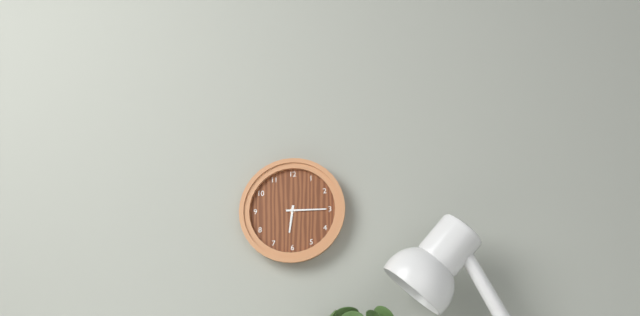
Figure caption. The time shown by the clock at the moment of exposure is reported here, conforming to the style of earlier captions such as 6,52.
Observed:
6,15
